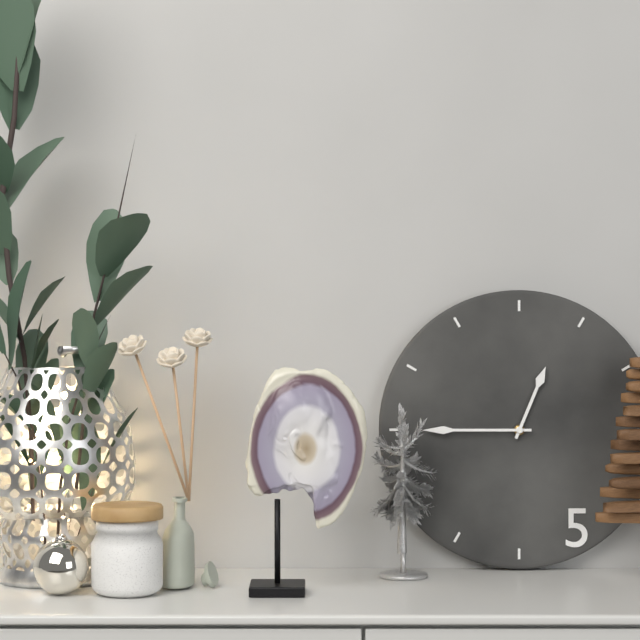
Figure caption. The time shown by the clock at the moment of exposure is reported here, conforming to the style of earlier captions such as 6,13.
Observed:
12,45
